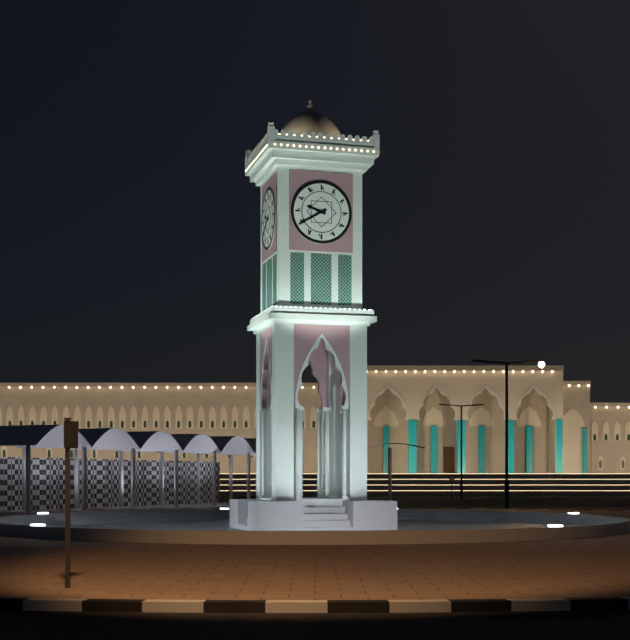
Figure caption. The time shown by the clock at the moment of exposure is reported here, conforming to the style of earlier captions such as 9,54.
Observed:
9,40
